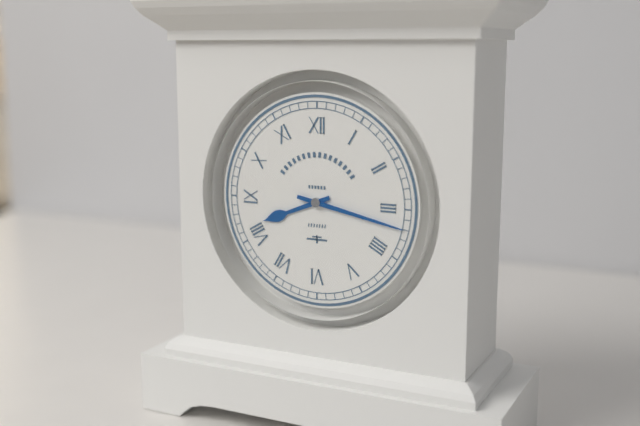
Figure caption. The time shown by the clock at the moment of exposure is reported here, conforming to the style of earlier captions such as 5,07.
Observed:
8,17
